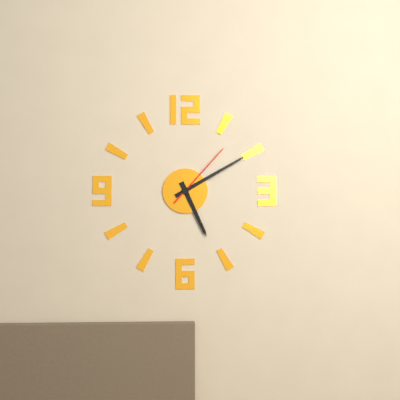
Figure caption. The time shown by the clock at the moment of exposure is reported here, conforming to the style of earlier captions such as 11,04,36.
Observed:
5,10,07
